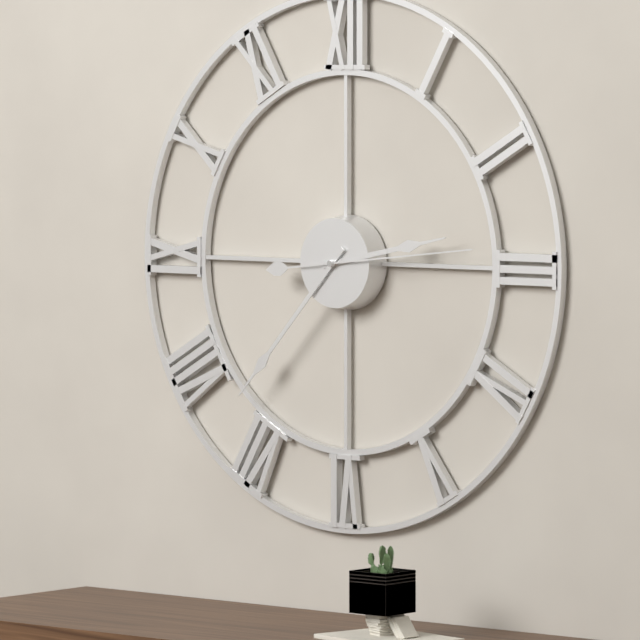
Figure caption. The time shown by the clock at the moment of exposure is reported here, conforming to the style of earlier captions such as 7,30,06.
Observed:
2,37,14
